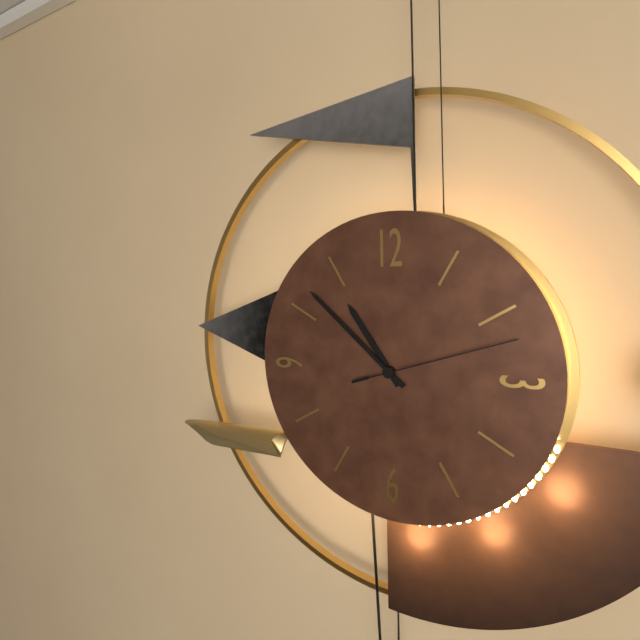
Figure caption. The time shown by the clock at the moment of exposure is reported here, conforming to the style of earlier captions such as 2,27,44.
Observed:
10,52,12
